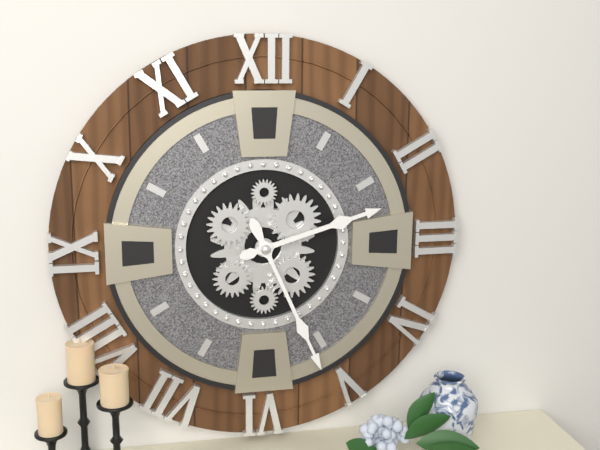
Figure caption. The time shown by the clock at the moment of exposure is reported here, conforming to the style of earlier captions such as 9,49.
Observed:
2,26
